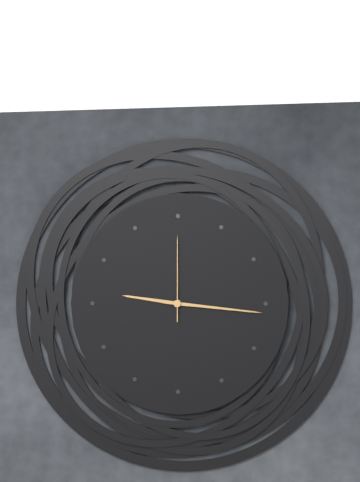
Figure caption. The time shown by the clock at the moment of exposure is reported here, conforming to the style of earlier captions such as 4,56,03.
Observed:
9,16,00
